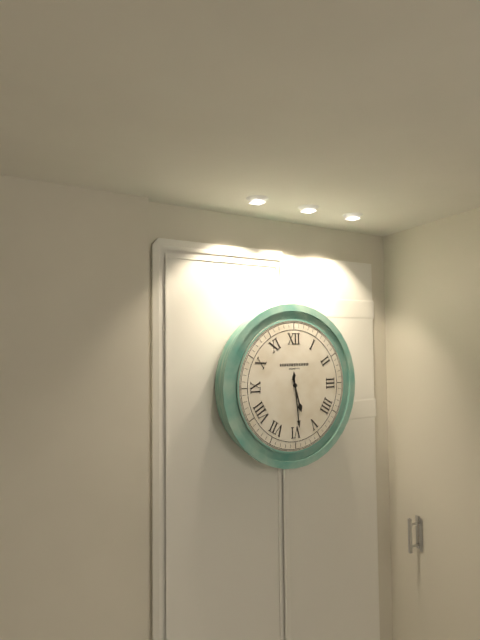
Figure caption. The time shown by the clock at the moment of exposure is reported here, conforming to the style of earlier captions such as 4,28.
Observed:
5,29
